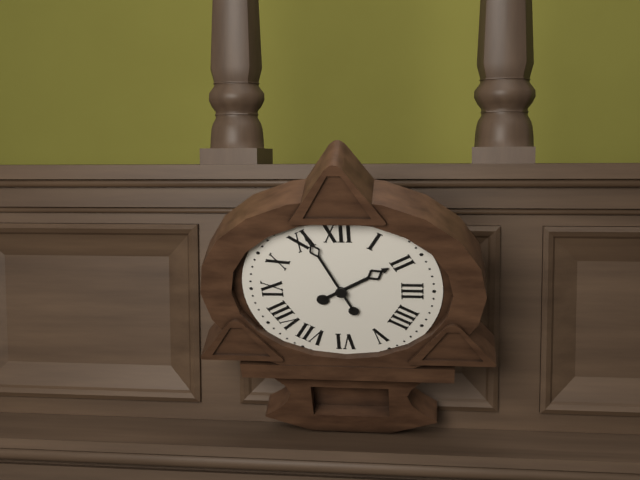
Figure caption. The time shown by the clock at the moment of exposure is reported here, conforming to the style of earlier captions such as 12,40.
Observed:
1,56
